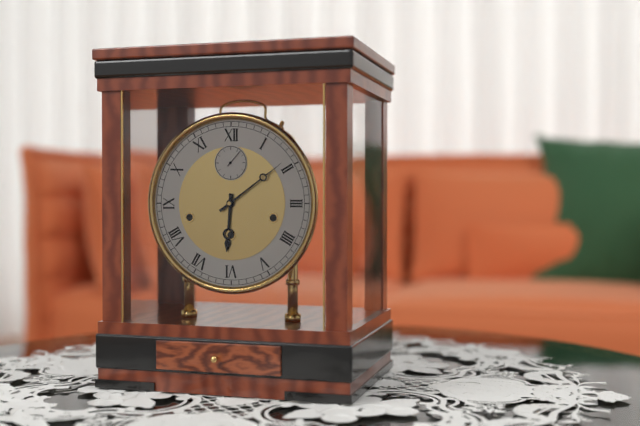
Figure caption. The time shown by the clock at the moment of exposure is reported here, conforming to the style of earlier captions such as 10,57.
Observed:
6,09
